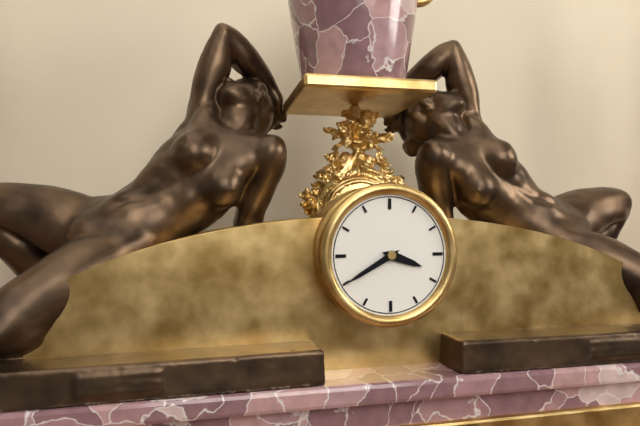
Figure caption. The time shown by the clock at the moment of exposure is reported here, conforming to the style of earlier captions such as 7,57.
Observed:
3,40
